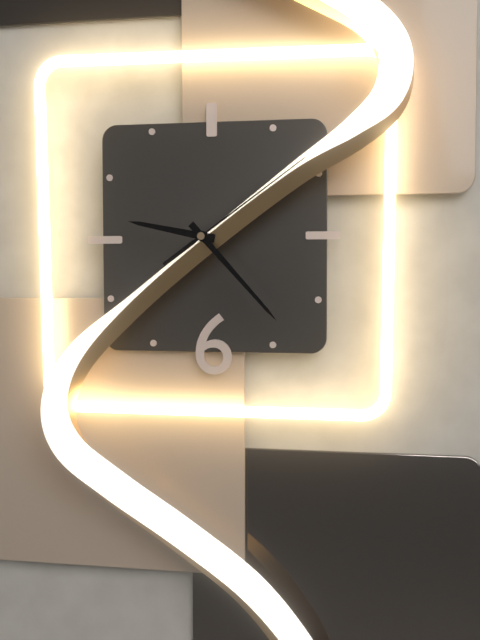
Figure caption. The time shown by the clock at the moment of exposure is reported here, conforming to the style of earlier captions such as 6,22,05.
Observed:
9,23,09
